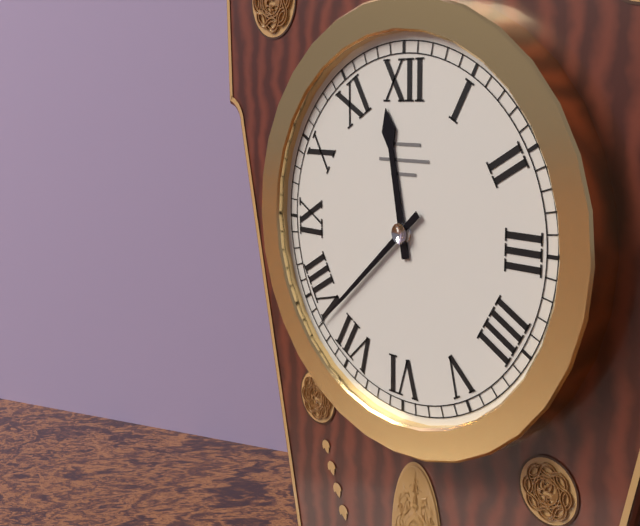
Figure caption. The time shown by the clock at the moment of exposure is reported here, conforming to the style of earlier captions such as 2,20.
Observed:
11,38
